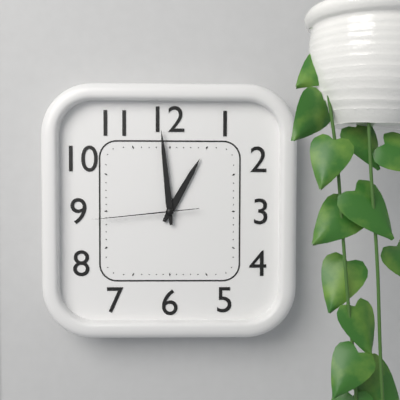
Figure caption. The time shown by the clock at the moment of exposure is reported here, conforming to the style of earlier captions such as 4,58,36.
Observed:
12,59,44
